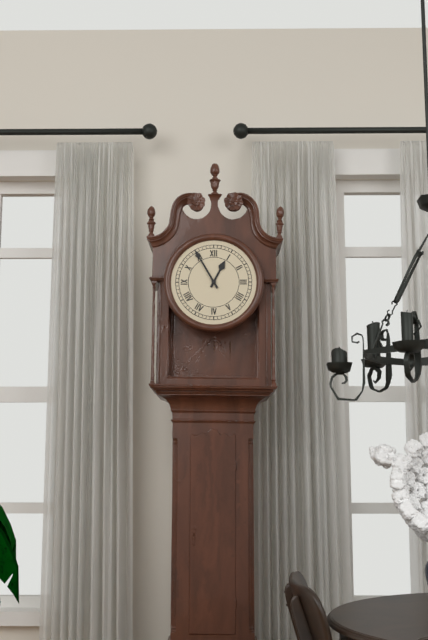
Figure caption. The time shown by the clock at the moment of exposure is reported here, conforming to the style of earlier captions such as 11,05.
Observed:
12,55
